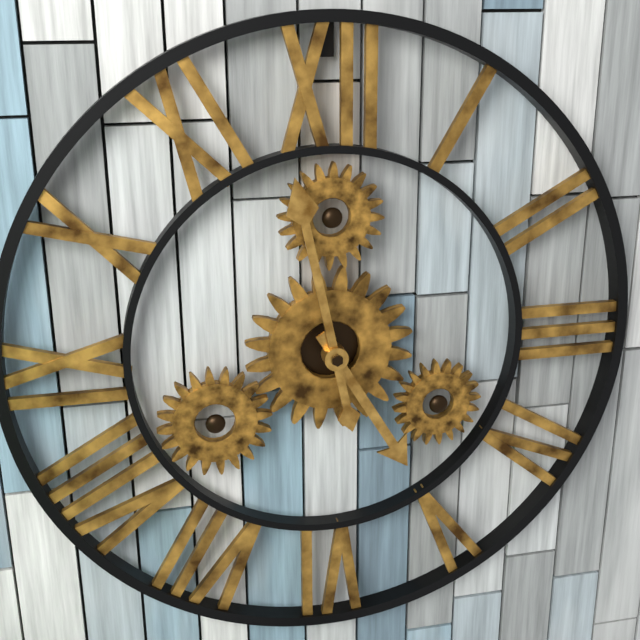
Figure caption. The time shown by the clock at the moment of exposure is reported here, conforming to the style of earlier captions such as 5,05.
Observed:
4,58
